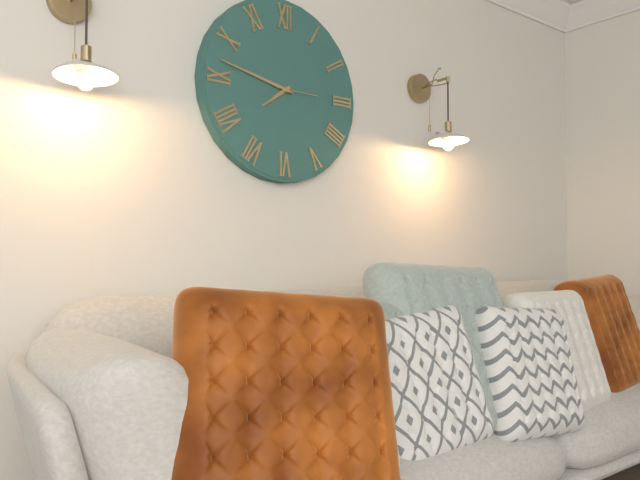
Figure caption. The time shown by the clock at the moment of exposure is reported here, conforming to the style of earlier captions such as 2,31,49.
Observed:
7,47,15
